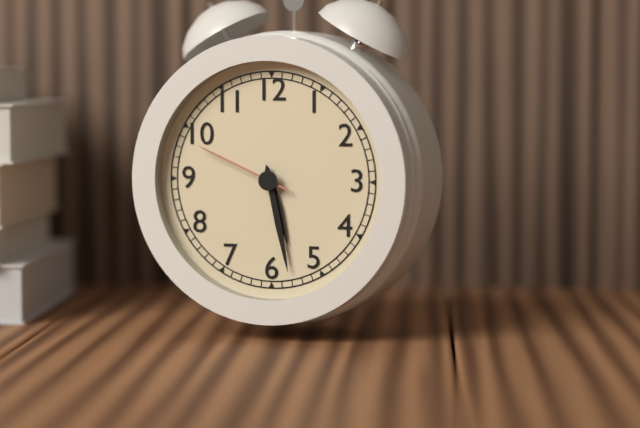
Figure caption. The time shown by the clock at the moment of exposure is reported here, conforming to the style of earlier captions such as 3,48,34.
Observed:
5,28,49
